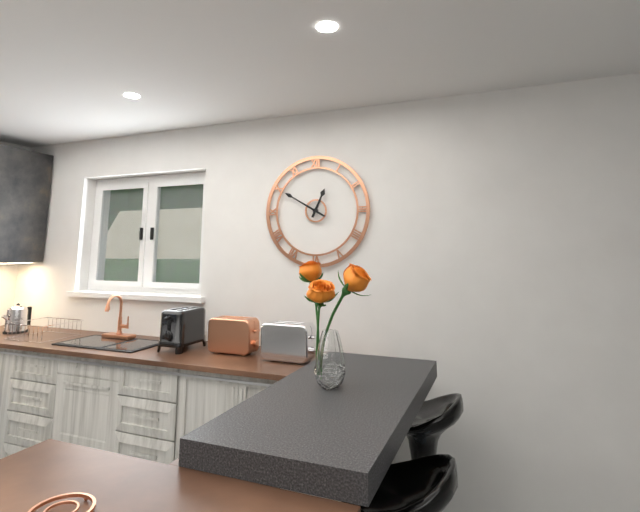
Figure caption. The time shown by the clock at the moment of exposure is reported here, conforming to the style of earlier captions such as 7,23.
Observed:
12,50
